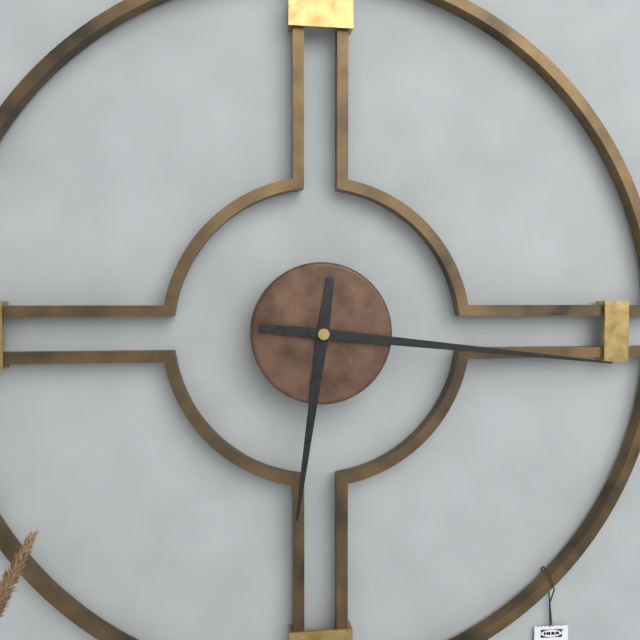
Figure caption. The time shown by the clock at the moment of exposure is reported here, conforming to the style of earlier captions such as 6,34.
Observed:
6,16
